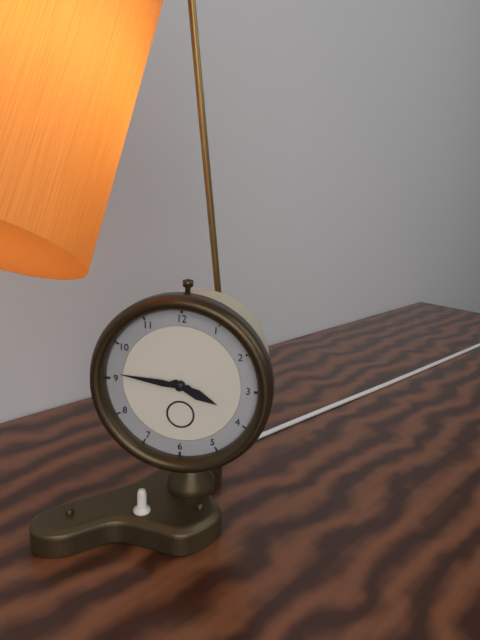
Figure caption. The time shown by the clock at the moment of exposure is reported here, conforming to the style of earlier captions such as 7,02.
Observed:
3,46
